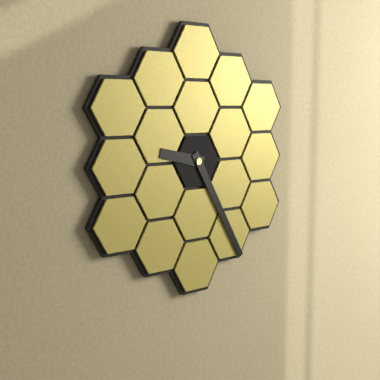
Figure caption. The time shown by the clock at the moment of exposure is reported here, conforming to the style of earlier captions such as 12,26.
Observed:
9,25
